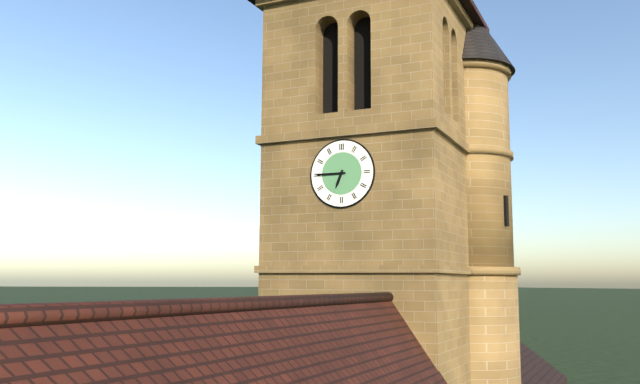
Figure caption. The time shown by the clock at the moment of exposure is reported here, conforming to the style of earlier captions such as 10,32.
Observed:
6,45
